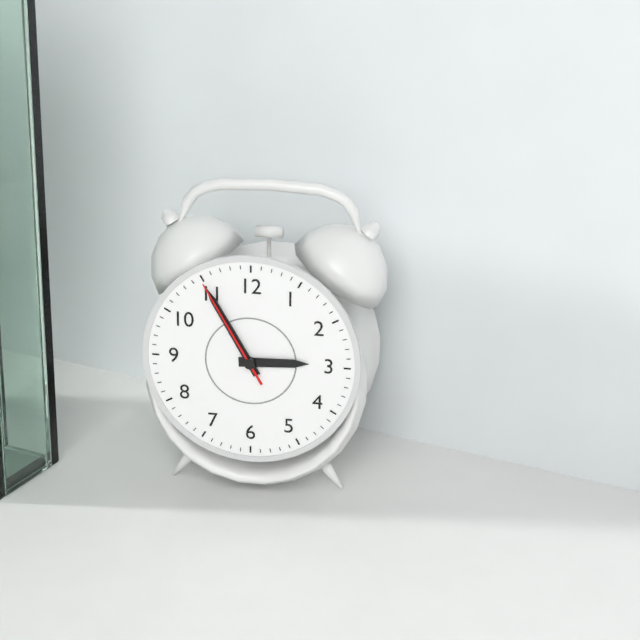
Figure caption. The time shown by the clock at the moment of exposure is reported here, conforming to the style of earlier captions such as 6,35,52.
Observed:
2,55,55
